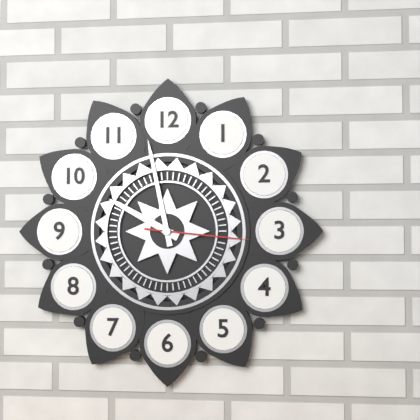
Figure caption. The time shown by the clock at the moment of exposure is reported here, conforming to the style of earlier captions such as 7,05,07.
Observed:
9,58,16
